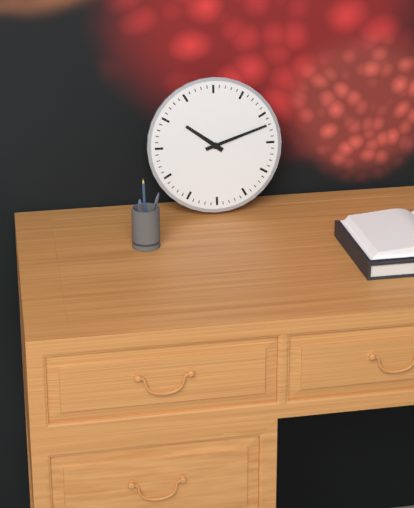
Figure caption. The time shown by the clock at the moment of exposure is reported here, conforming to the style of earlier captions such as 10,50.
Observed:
10,12
